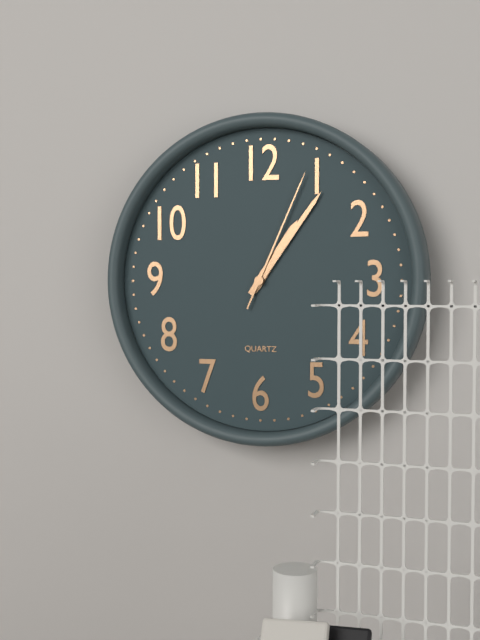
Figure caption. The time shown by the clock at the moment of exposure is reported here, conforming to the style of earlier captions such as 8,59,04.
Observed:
1,06,04
